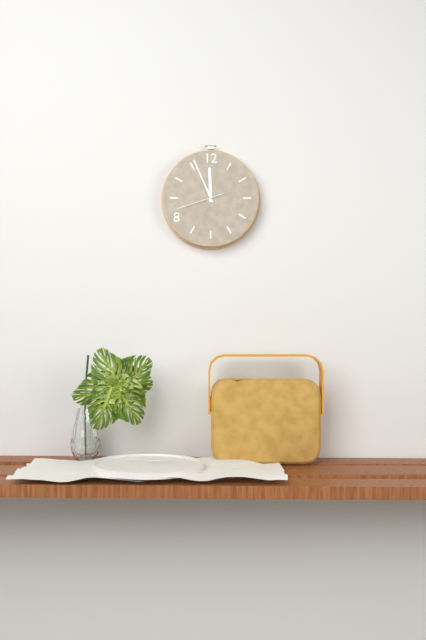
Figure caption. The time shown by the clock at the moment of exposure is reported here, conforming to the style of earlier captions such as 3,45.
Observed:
11,56
